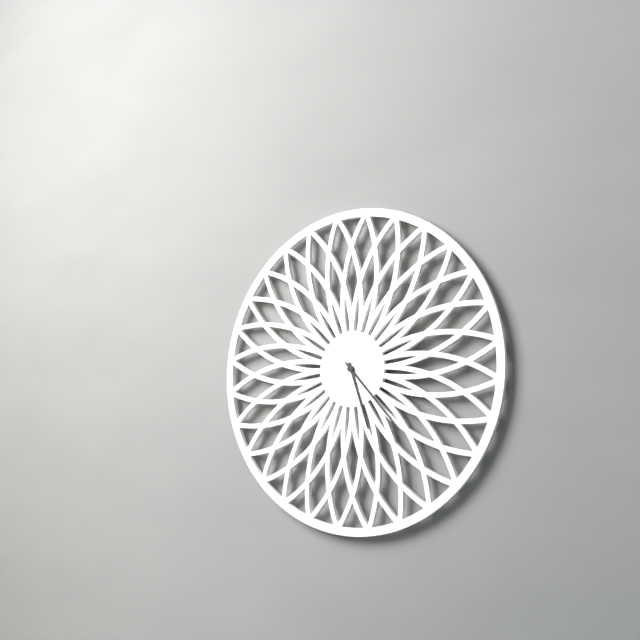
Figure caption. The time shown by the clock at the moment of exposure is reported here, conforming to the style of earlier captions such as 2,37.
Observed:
5,23
